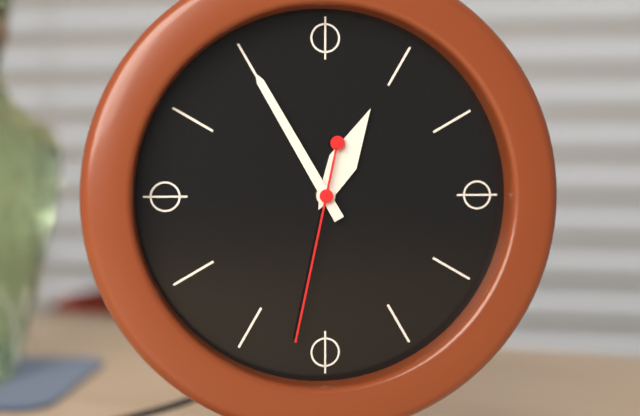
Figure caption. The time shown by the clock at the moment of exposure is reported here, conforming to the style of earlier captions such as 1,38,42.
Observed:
12,55,32
